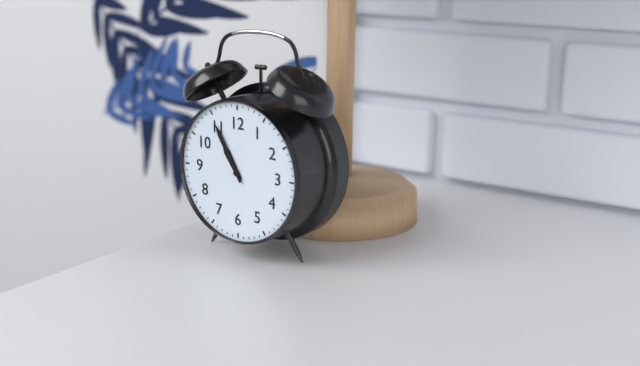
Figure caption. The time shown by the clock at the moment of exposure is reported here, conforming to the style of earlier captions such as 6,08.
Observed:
10,55
